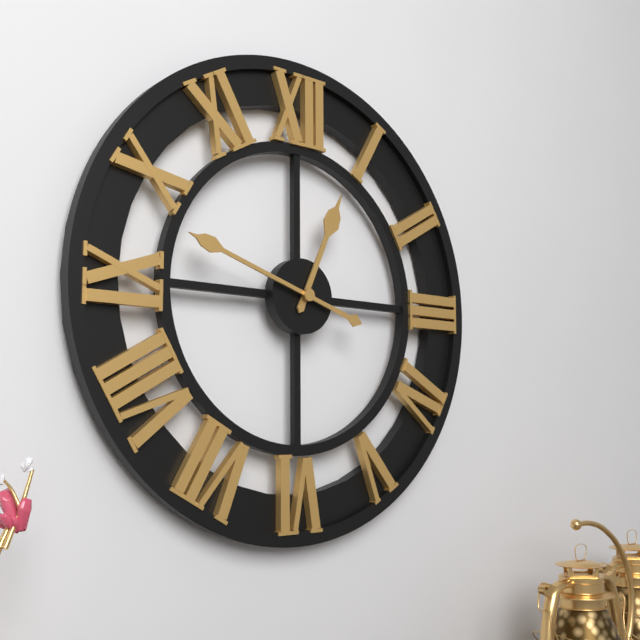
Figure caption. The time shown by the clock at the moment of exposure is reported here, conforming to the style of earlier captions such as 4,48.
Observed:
12,48
